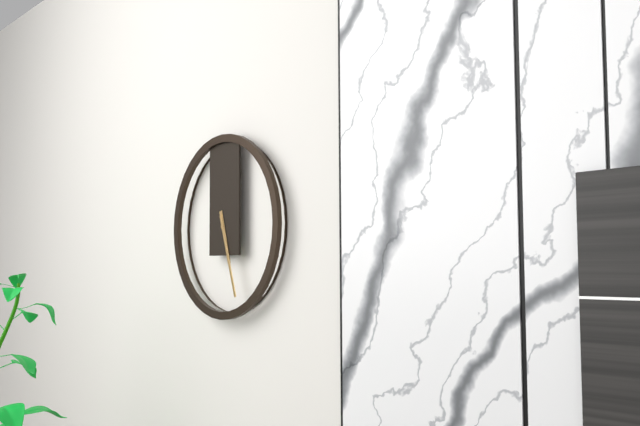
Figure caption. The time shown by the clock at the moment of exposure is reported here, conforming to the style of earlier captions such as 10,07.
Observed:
5,27
